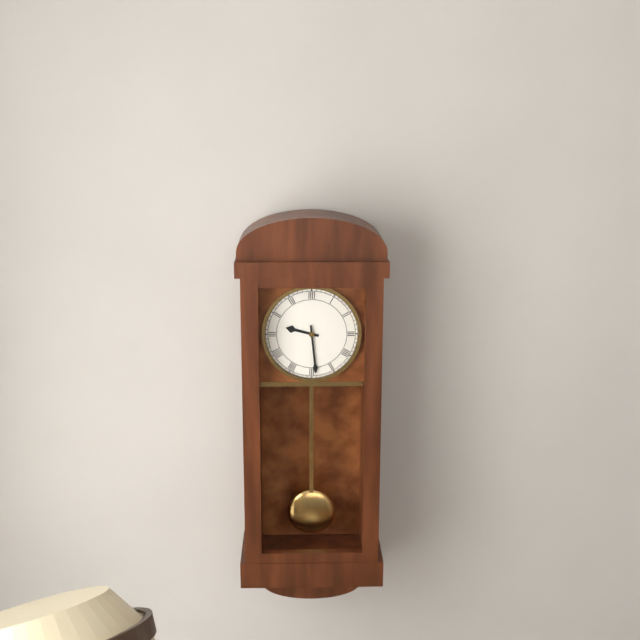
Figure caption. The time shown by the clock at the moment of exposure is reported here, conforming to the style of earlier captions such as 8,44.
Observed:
9,29
